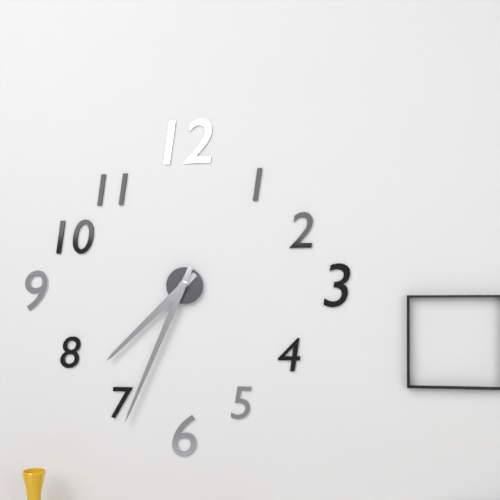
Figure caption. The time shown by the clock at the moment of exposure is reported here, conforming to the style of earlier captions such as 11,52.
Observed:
7,34
